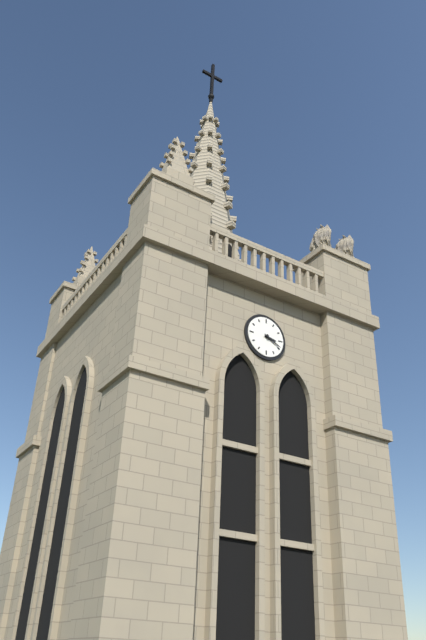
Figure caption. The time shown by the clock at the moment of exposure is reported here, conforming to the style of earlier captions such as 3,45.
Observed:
3,19
